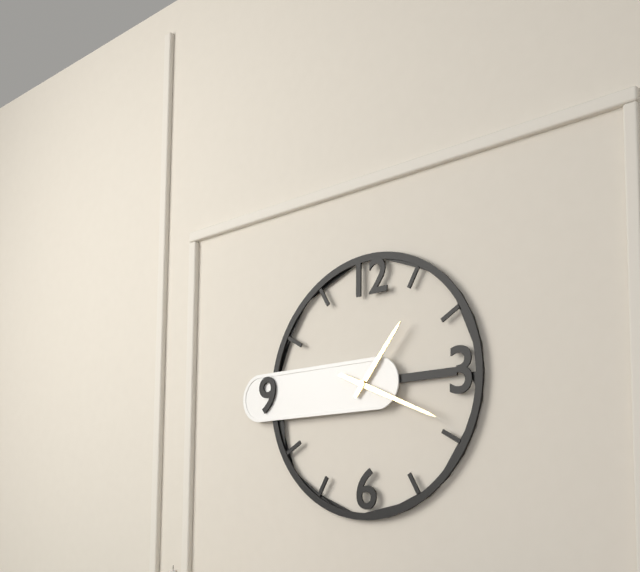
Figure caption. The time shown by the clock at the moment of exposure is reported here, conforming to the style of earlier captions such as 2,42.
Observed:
1,19
